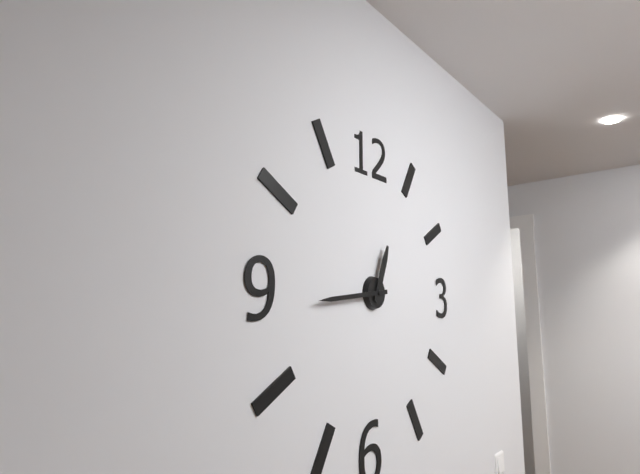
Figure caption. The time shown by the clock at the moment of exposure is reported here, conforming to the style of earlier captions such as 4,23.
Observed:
12,44
